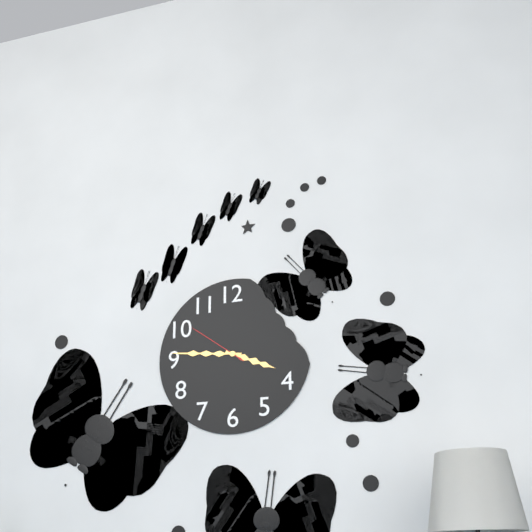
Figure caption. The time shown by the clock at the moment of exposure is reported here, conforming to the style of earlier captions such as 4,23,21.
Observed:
3,46,51
